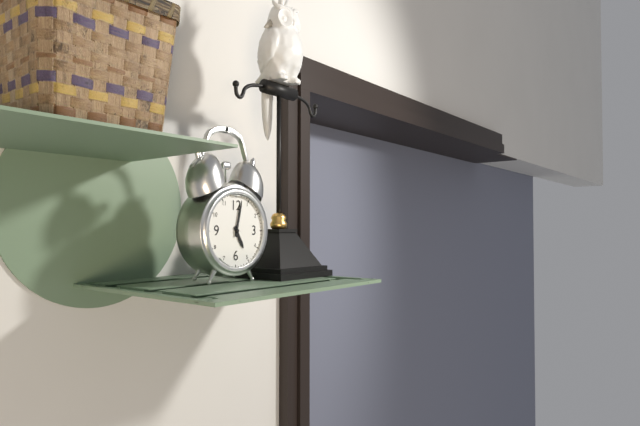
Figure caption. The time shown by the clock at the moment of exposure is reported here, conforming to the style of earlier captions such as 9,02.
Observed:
5,02
